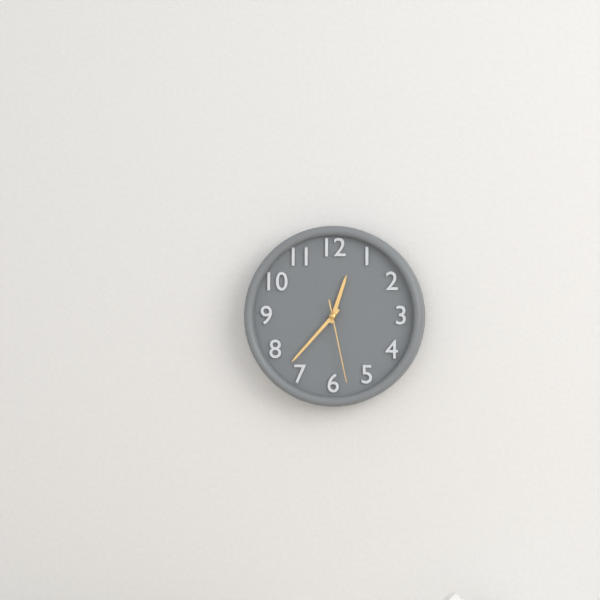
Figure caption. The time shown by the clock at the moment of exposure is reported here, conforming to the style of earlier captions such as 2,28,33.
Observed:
12,37,28
